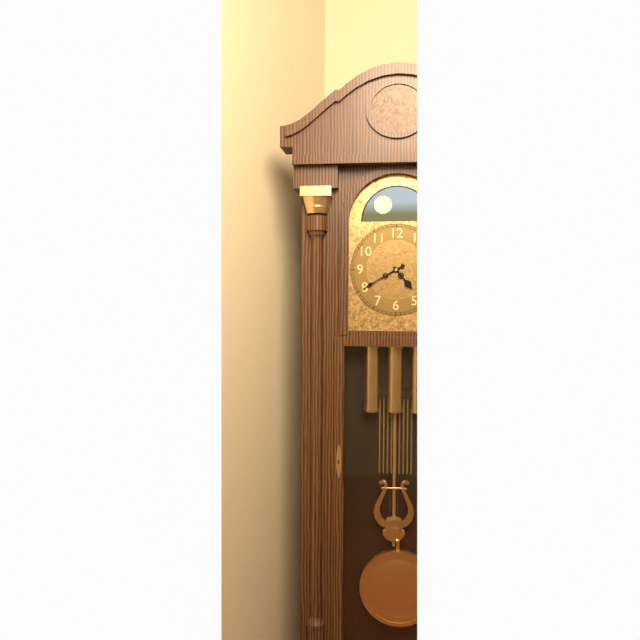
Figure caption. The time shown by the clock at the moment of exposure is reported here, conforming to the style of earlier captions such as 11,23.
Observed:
4,40
